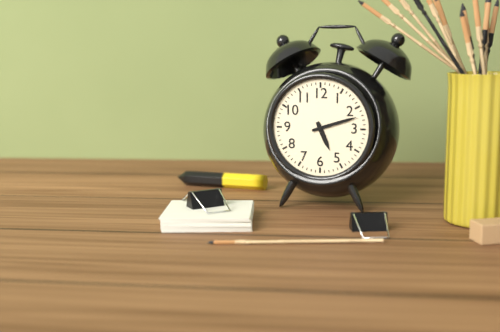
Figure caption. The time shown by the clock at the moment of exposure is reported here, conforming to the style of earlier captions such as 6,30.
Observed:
5,12
